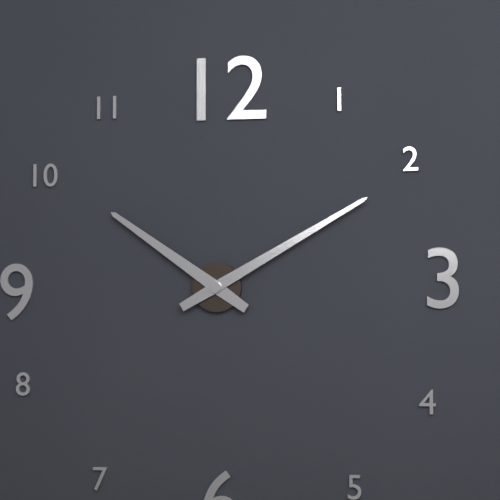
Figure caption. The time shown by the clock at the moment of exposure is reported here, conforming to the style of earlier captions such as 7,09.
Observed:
10,10
